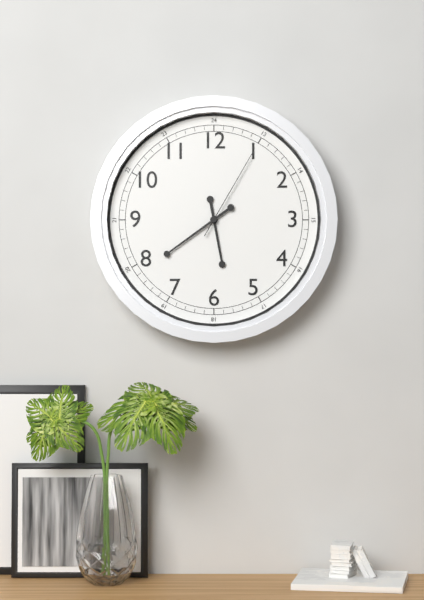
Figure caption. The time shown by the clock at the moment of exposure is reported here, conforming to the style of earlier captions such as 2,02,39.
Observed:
5,39,05
